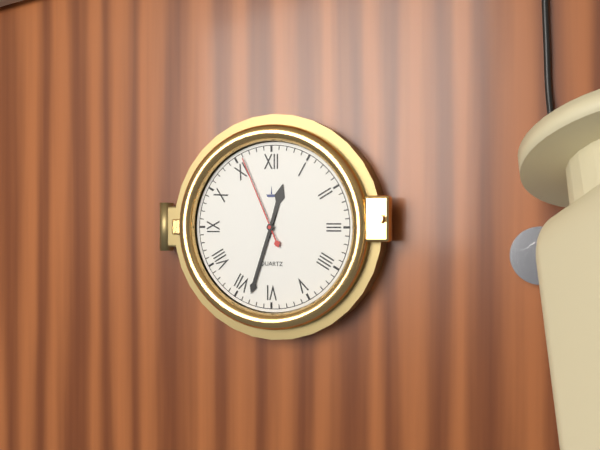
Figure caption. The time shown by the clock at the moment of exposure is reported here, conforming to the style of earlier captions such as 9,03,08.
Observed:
12,33,56
